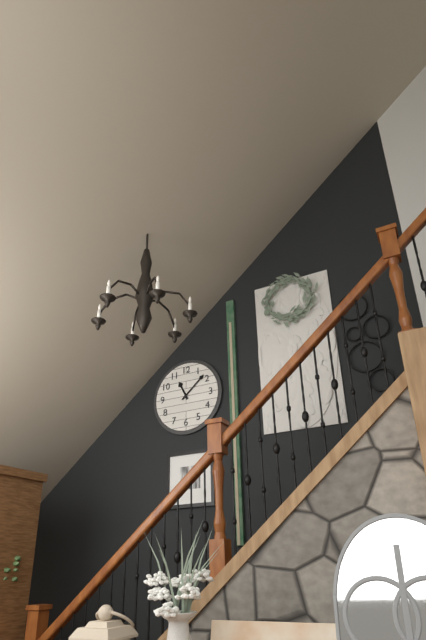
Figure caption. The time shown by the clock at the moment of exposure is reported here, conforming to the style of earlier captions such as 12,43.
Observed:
11,08
